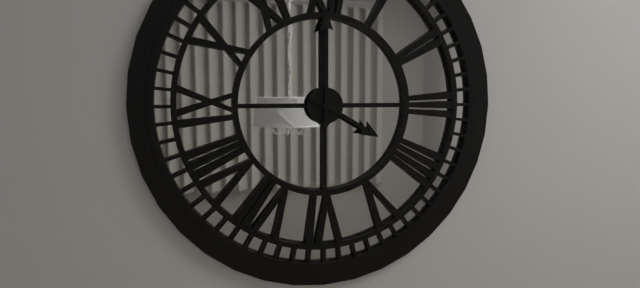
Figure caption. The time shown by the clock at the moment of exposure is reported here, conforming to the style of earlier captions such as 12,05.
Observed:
4,00
